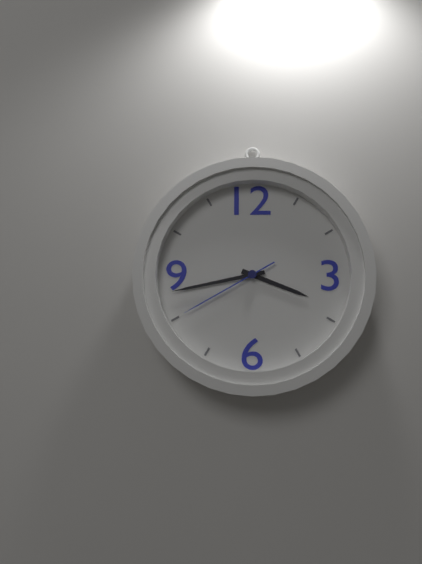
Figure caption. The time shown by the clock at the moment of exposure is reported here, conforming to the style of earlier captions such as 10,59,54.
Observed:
3,43,40
